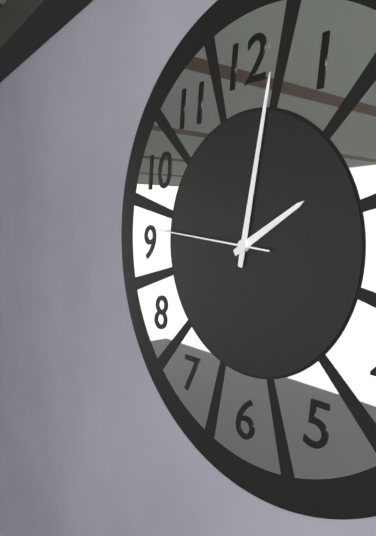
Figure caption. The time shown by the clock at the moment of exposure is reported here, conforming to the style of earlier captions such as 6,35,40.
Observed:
2,02,46
